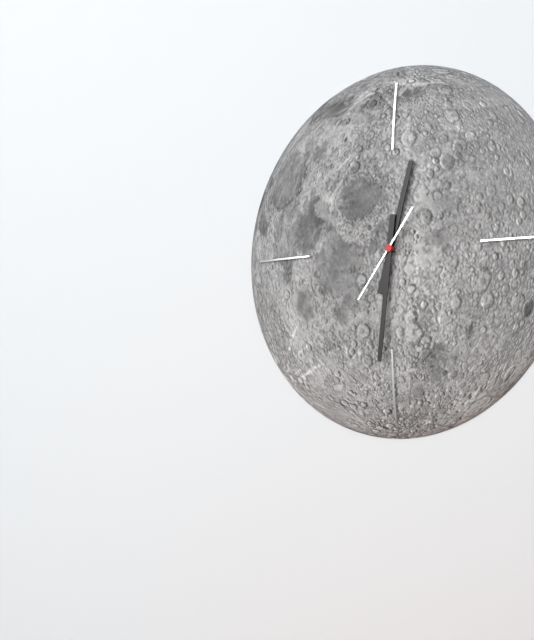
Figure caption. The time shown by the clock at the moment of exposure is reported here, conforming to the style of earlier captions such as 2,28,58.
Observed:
12,31,36
